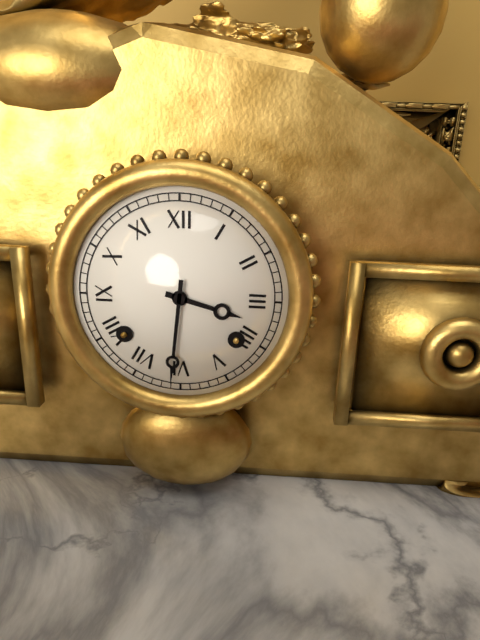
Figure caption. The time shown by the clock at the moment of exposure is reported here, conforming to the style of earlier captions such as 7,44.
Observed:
3,31
